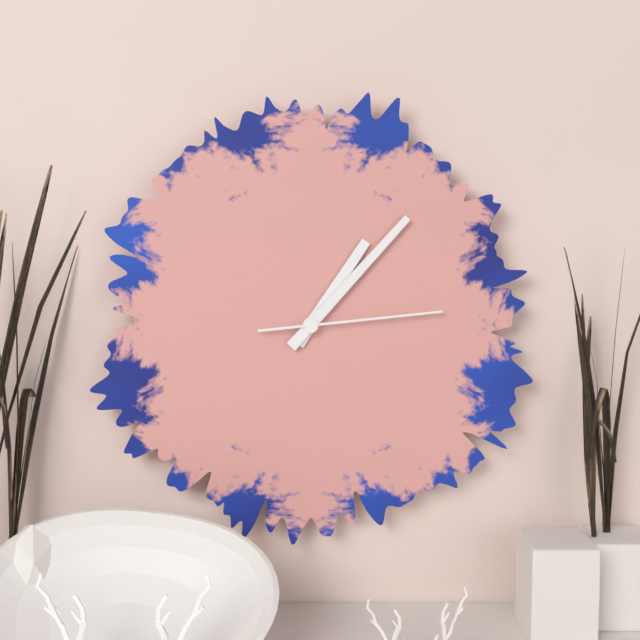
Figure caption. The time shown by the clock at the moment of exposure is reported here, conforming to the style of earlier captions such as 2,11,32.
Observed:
1,07,14
